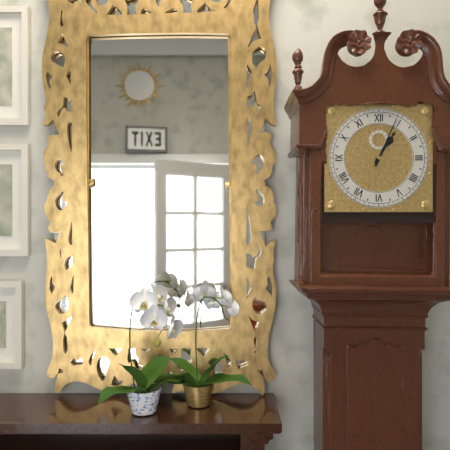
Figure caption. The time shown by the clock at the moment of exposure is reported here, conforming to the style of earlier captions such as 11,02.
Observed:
1,04
